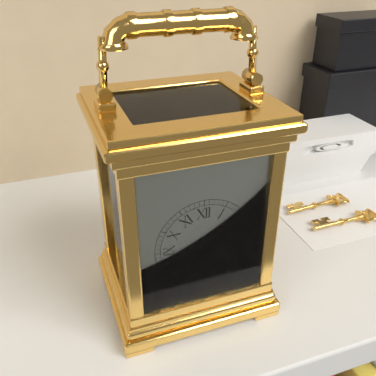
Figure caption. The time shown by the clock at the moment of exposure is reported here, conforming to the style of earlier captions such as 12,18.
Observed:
4,31
